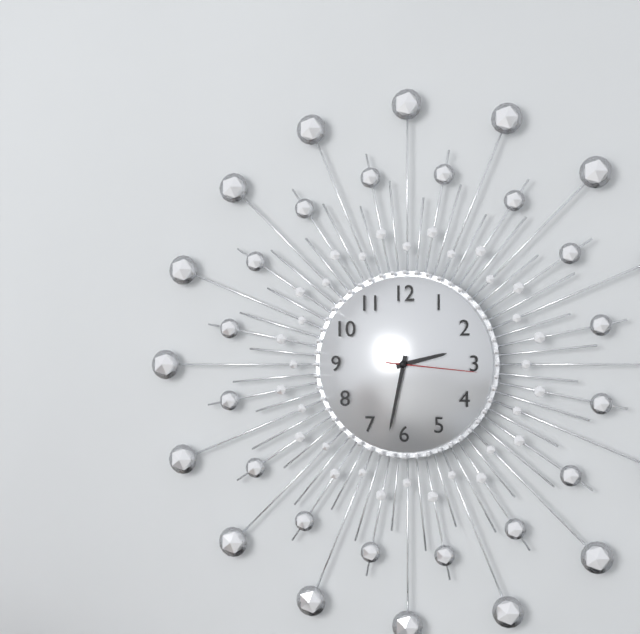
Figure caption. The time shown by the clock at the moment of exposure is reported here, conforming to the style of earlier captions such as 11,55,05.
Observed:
2,32,16
